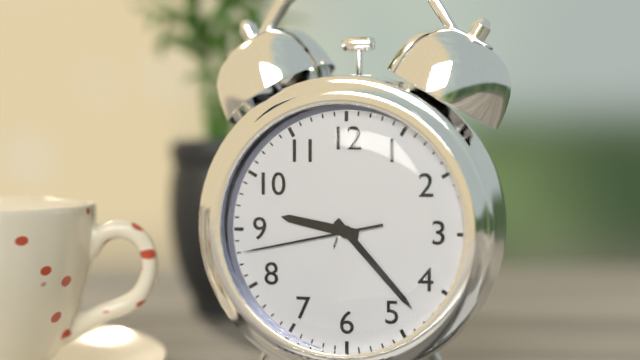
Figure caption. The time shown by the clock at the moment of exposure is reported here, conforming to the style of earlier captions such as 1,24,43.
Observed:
9,23,43
